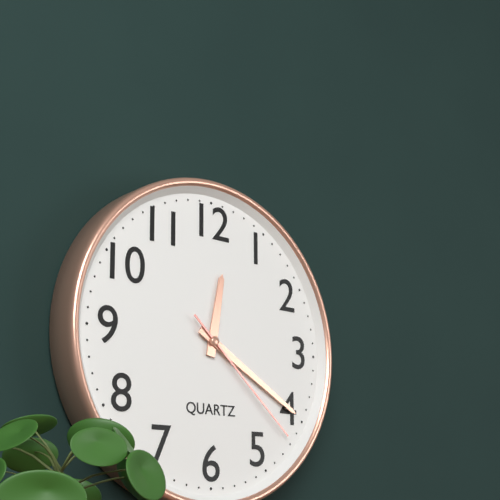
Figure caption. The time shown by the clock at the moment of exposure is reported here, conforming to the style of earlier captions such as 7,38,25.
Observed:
12,20,22
